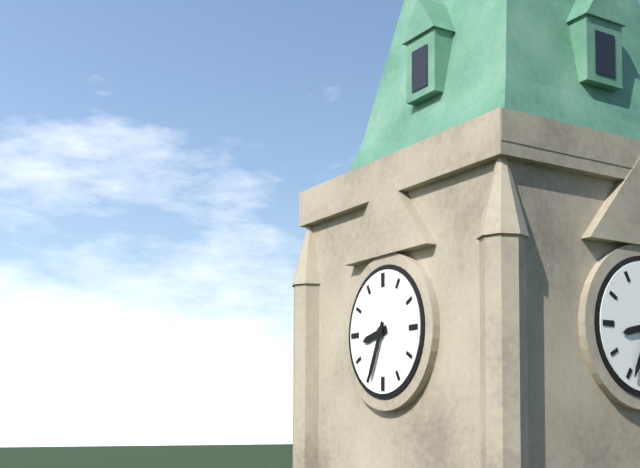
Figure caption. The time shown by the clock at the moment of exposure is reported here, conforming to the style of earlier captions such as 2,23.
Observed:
8,34
